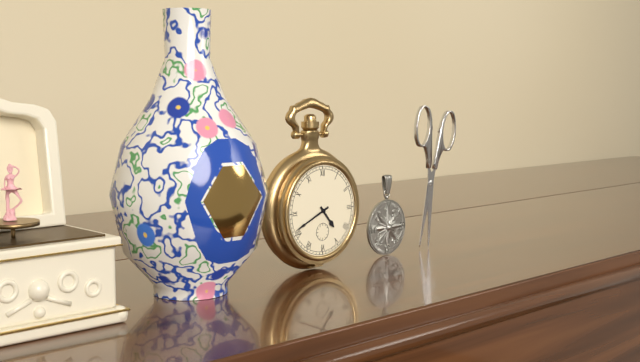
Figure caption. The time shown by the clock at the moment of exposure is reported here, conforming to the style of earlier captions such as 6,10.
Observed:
4,41
